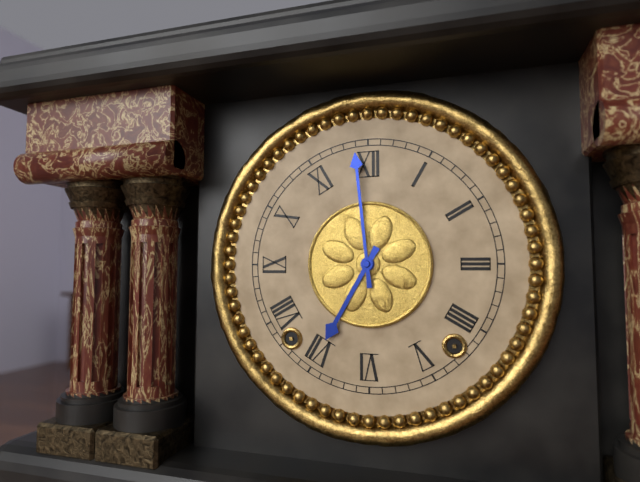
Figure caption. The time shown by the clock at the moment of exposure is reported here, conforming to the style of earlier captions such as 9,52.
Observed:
6,59
